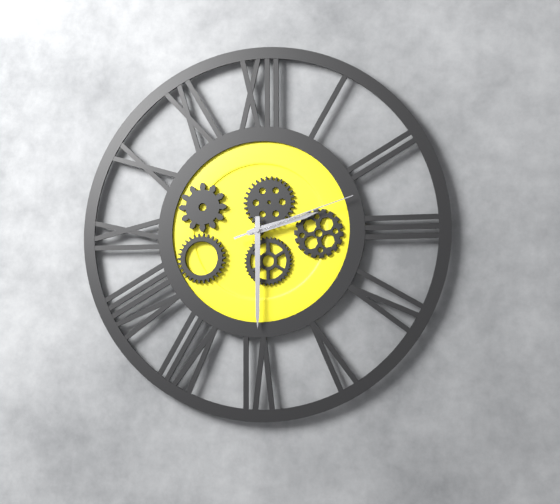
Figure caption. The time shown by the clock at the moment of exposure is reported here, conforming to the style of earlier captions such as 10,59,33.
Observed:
2,30,12
